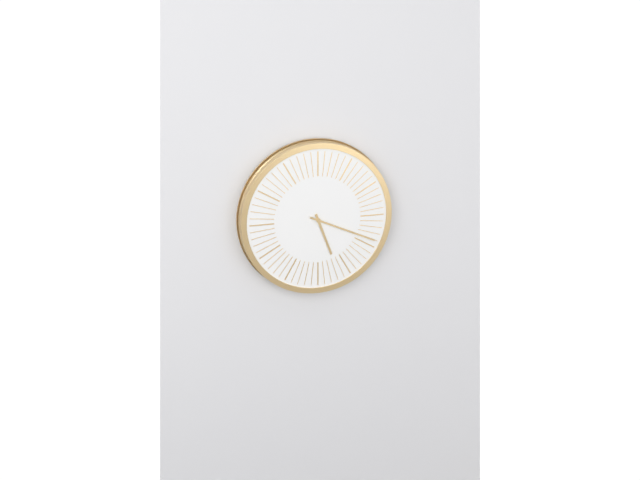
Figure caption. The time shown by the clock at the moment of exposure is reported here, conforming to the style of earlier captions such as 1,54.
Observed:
5,19
